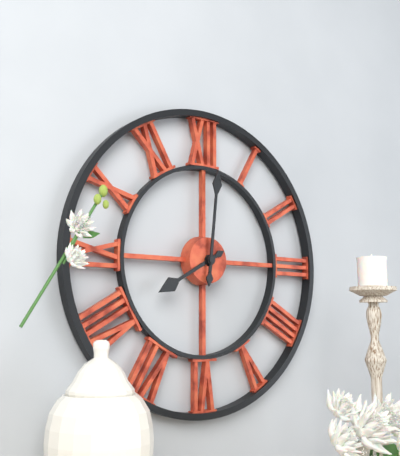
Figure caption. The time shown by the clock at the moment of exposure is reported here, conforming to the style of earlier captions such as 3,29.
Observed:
8,01
